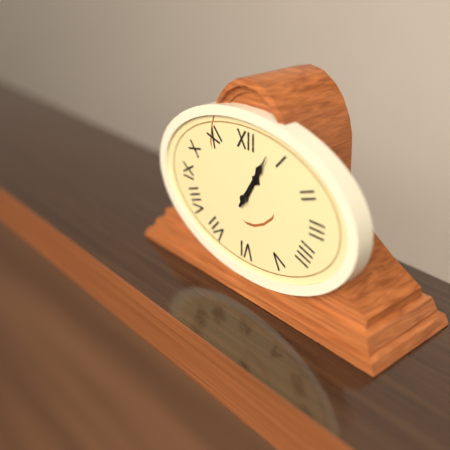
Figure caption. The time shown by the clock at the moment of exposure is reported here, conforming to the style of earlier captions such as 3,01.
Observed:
1,05
